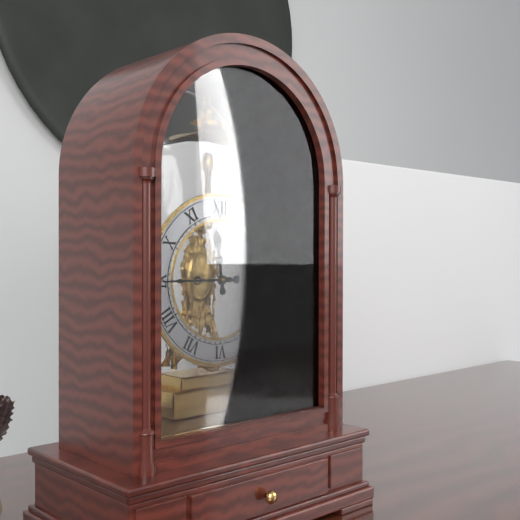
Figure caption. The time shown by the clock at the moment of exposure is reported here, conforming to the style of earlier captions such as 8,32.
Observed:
11,45
